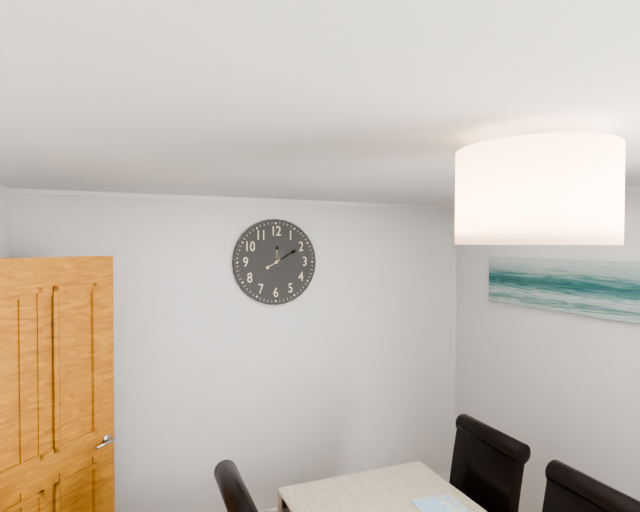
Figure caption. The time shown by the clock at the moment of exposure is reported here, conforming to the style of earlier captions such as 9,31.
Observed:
12,10
